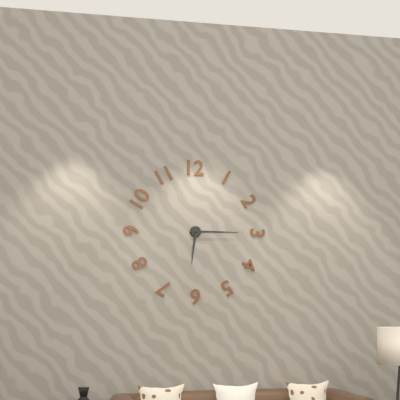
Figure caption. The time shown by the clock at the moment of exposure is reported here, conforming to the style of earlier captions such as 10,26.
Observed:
6,15
